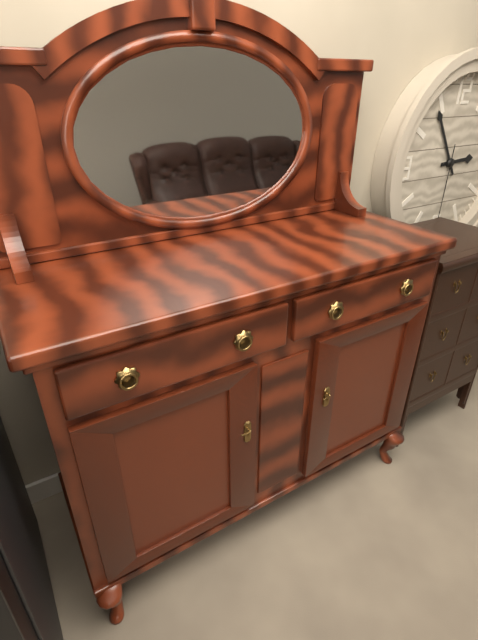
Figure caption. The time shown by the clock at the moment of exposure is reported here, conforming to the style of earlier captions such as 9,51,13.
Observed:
2,54,30
